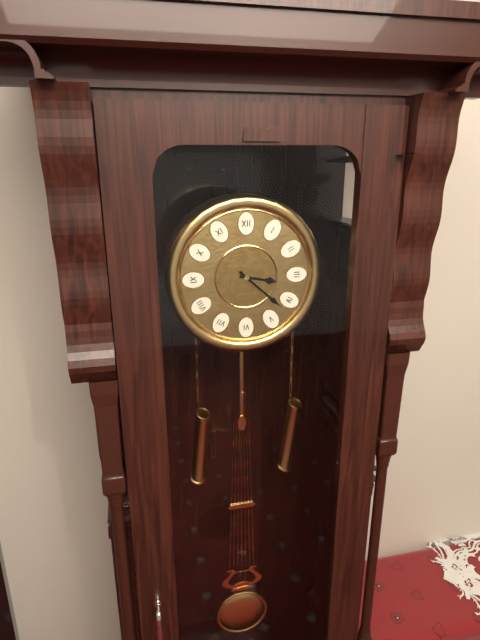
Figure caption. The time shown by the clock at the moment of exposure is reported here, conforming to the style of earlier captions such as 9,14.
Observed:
3,22
